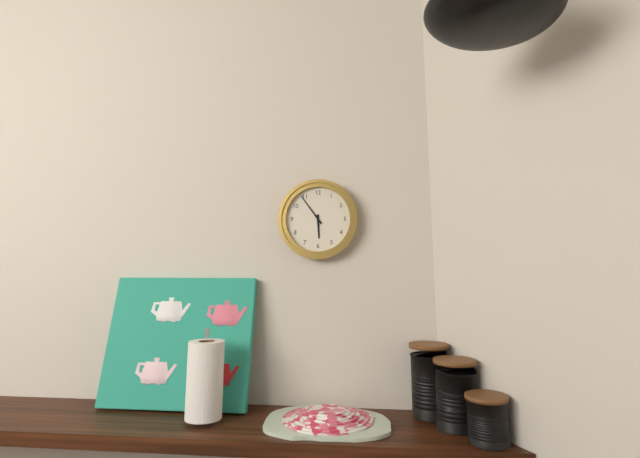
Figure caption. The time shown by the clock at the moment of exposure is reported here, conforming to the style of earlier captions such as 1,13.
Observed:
5,54
